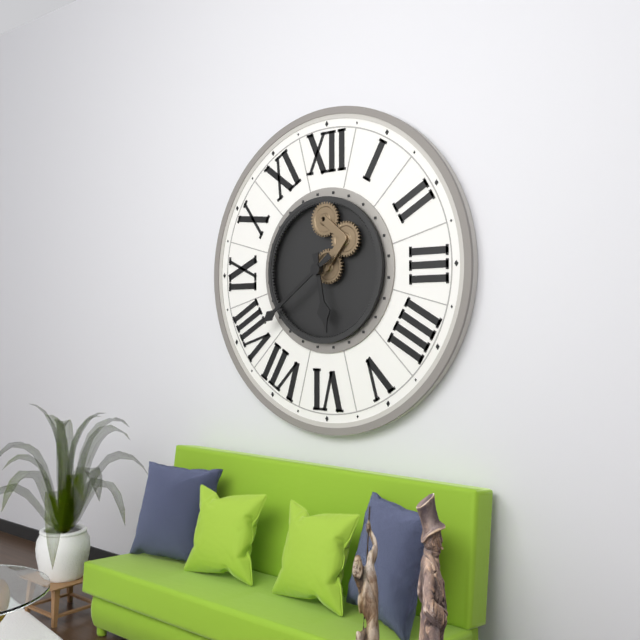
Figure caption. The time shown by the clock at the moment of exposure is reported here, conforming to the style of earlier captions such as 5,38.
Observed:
5,39
